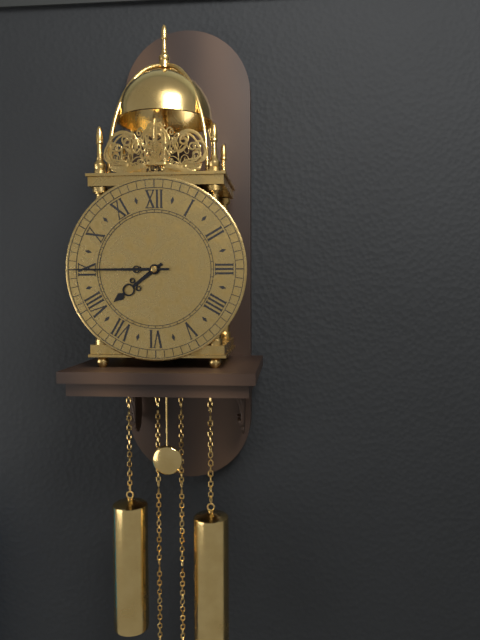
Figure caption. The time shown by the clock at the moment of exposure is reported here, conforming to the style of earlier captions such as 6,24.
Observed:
7,45
